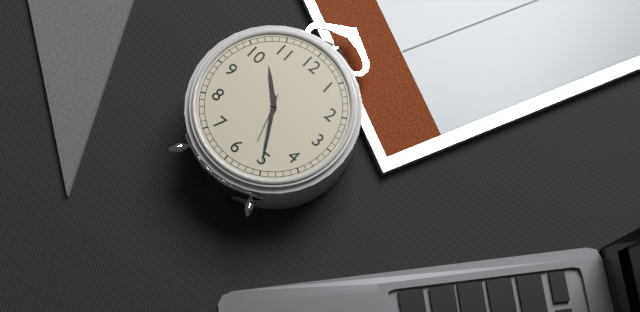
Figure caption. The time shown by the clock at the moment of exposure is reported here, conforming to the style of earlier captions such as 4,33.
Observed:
10,25
